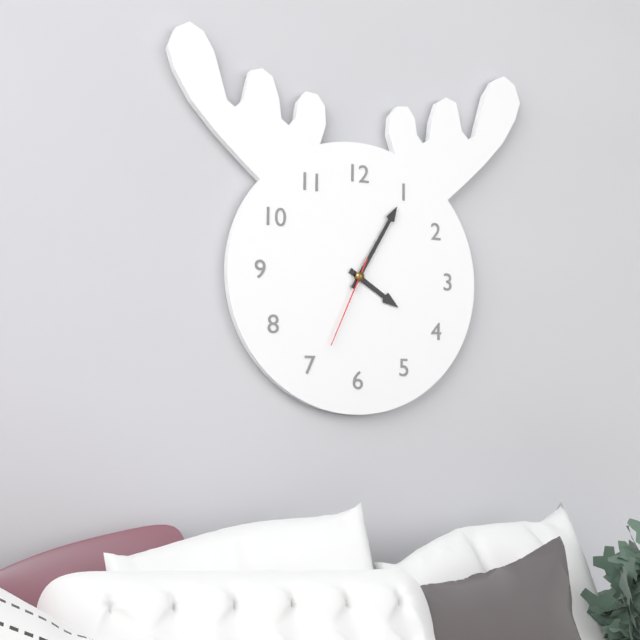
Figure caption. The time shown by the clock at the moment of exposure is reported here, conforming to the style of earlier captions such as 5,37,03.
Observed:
4,05,34
